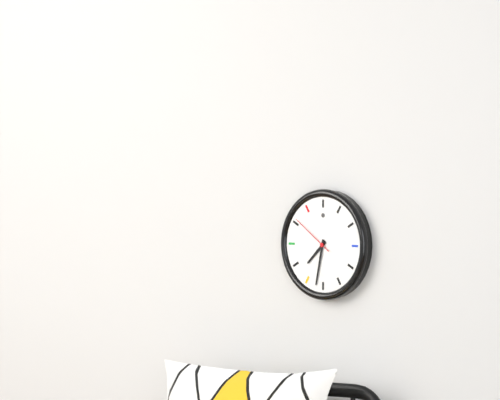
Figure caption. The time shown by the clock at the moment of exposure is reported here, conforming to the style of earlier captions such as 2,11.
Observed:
7,32
